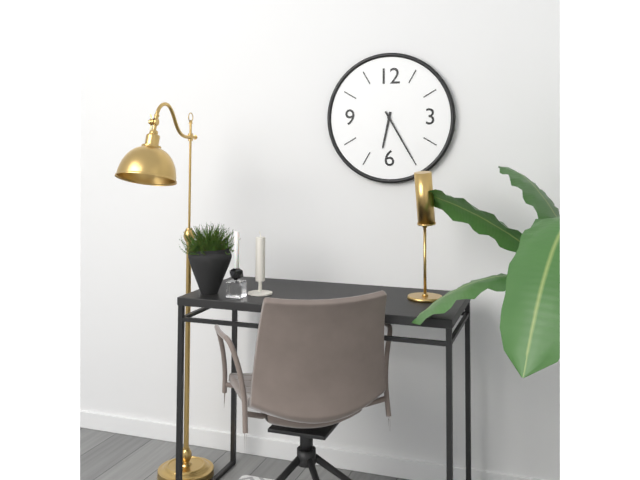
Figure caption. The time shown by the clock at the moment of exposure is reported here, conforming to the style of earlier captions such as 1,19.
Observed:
6,25
